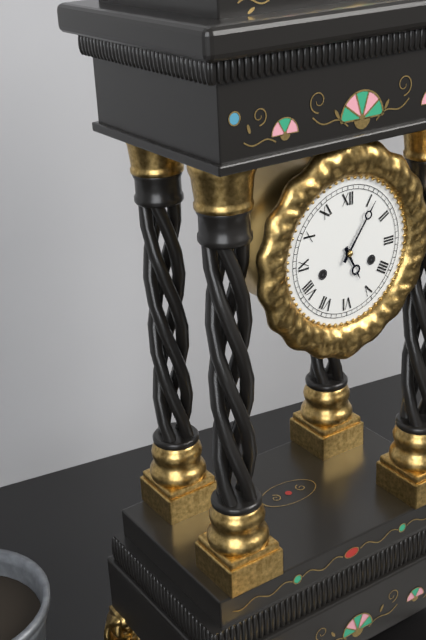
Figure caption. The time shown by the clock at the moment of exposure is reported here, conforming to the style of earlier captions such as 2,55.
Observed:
5,06
